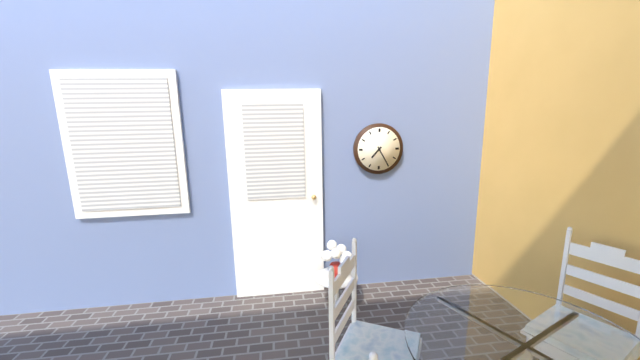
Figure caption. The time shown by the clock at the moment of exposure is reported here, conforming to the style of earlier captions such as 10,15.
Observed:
7,25
